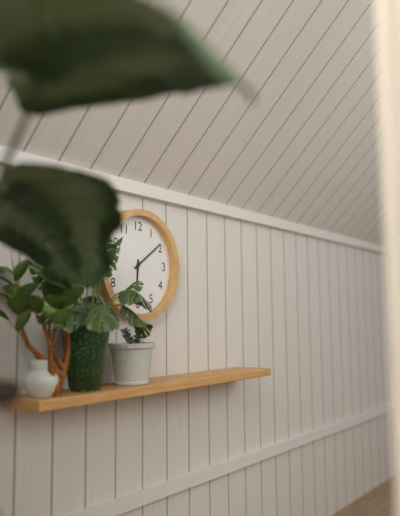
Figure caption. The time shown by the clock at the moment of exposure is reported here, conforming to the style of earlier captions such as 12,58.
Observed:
6,09
